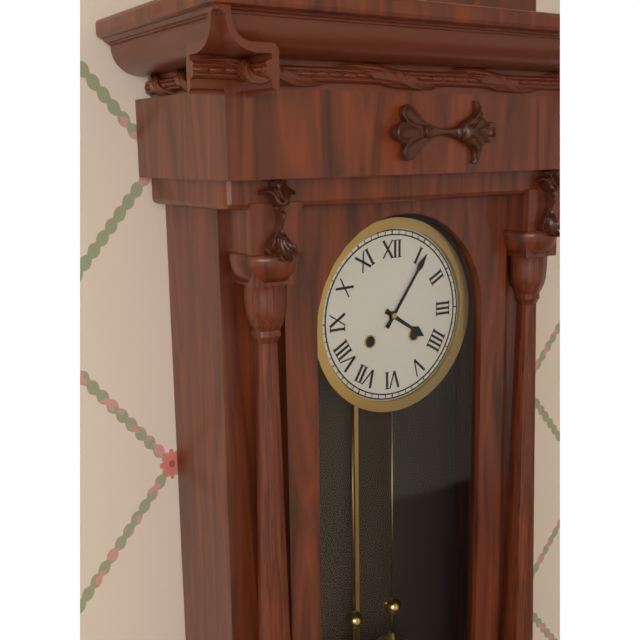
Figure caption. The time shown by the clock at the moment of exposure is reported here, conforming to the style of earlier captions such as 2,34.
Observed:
4,06
